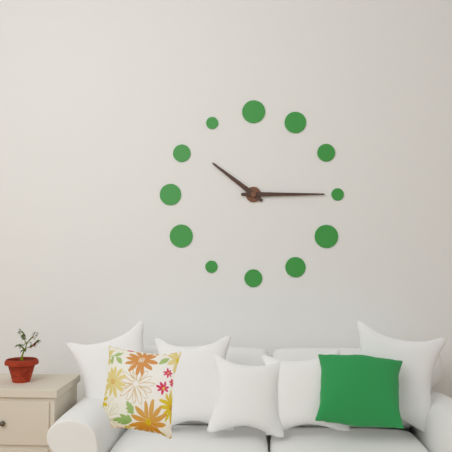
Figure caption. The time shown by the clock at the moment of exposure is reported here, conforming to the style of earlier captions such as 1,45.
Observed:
10,15
